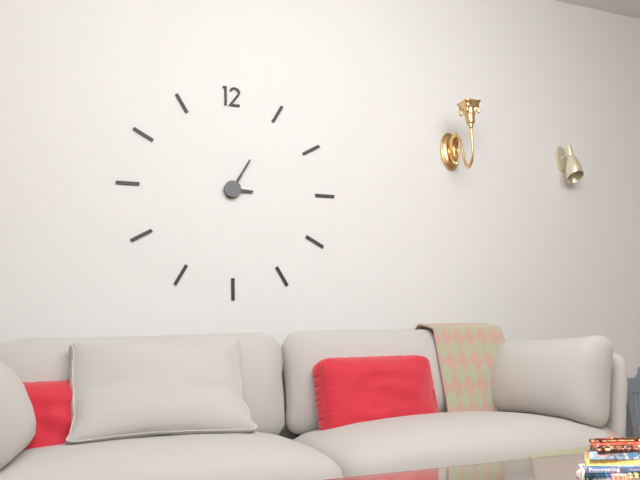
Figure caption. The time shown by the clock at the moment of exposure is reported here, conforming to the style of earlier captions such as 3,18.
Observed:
3,05
